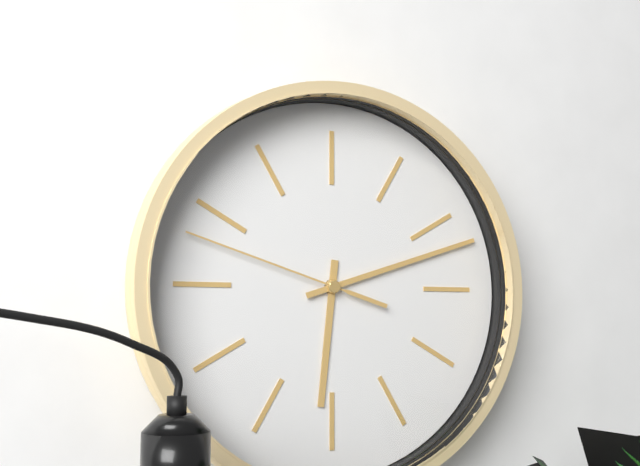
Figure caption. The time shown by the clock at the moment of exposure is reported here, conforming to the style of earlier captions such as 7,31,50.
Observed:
6,12,48
